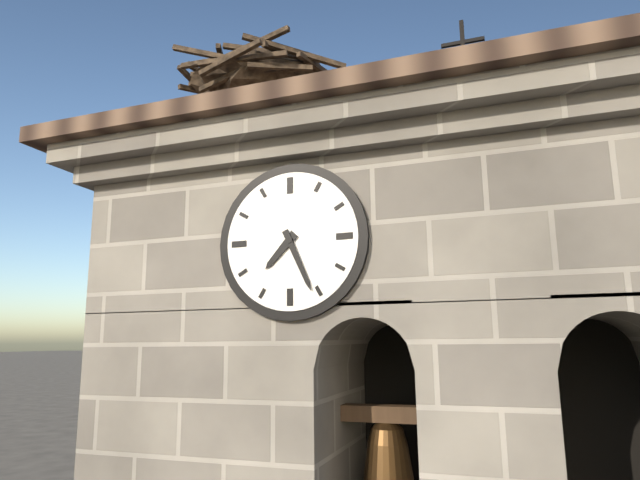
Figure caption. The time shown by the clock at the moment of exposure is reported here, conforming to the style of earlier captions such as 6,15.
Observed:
7,26
